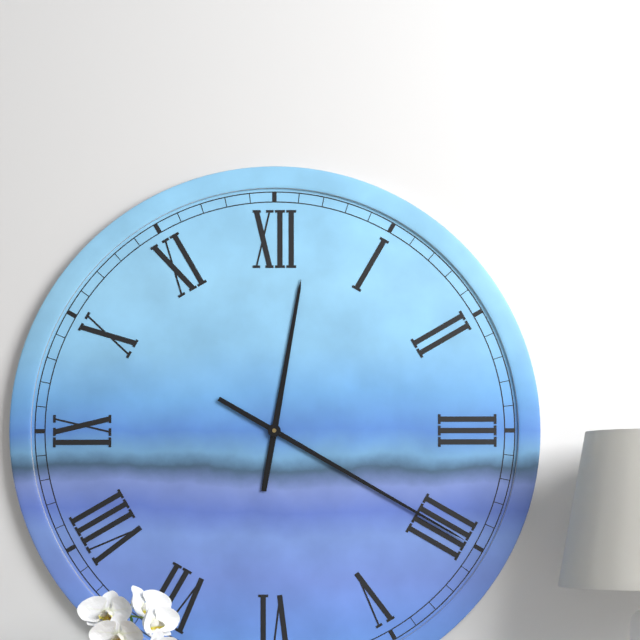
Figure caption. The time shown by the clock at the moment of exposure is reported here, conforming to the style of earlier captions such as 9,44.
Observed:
12,20
